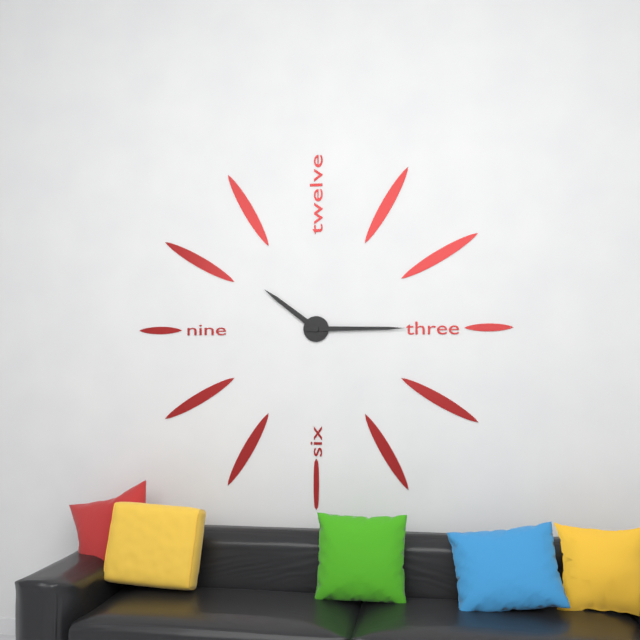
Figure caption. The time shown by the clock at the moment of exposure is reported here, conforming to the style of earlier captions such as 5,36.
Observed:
10,15
